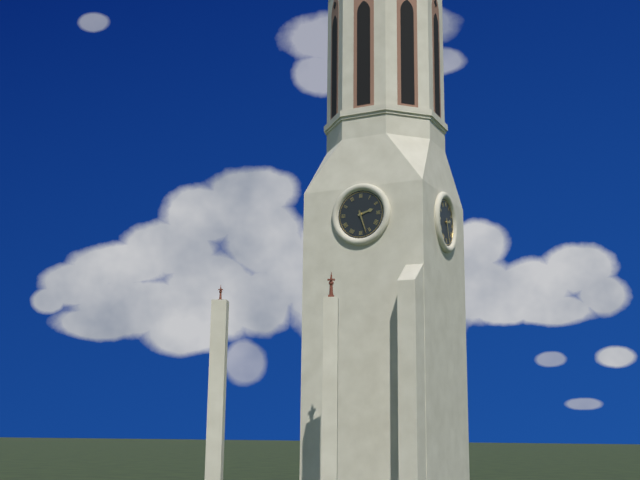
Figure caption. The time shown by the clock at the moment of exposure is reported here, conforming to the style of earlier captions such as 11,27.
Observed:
2,27
